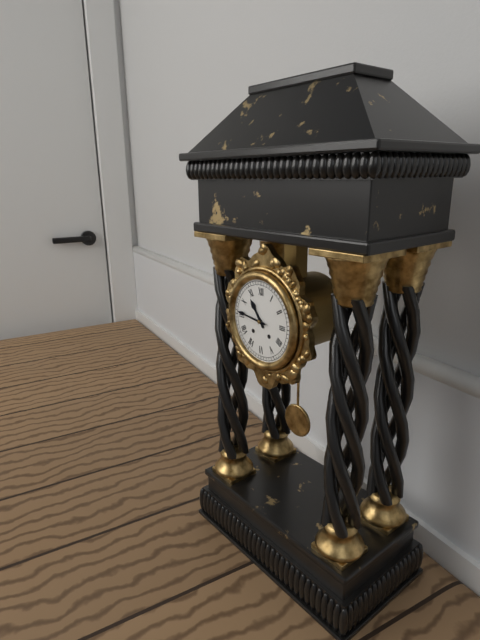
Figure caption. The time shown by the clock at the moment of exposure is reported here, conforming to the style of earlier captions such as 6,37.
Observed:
10,46
